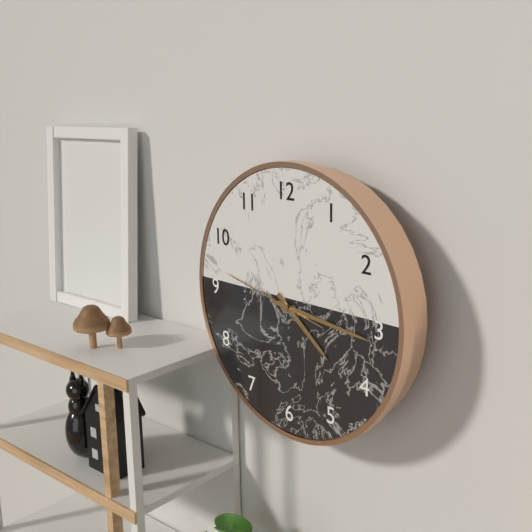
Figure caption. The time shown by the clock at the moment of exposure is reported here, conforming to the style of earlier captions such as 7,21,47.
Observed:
4,16,47
